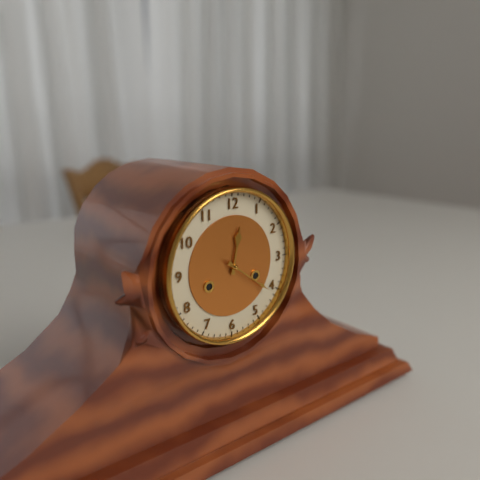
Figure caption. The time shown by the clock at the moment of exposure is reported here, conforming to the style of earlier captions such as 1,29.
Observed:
12,21
